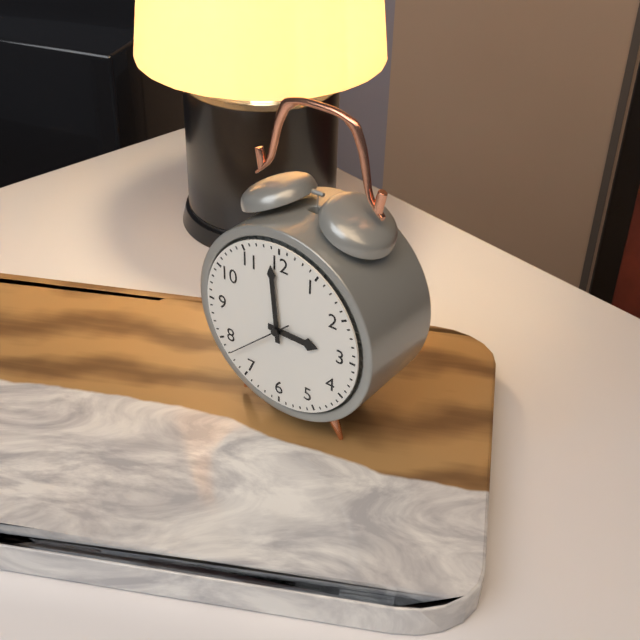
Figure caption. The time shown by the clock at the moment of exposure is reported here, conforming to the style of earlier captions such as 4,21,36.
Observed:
2,59,38
